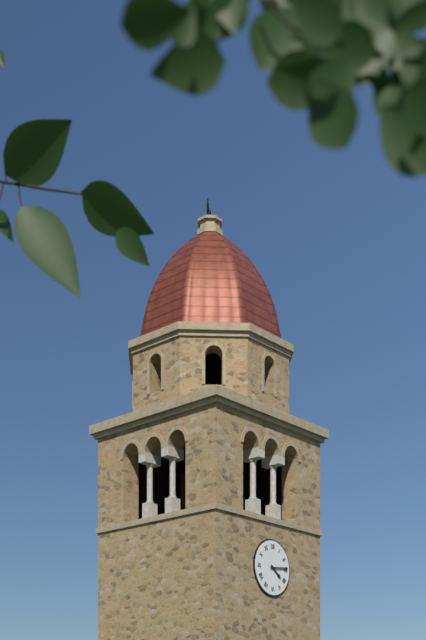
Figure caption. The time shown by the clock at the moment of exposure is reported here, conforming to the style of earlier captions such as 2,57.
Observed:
4,14
